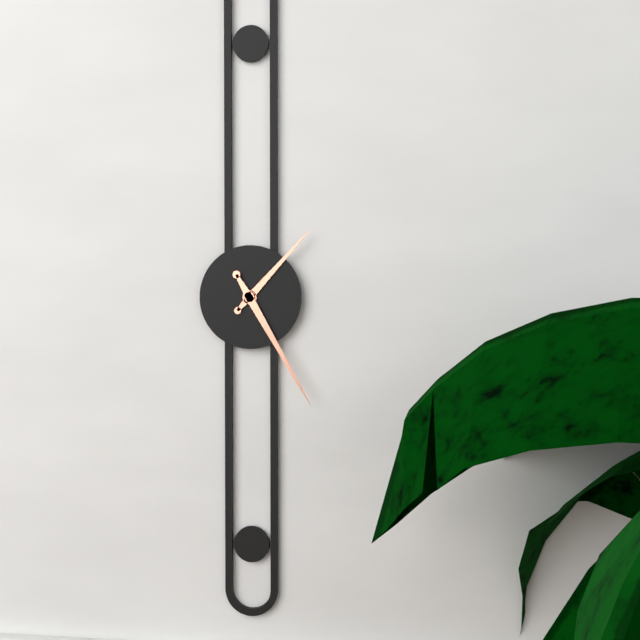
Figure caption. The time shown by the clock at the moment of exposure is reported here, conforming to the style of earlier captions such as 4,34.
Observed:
1,25
